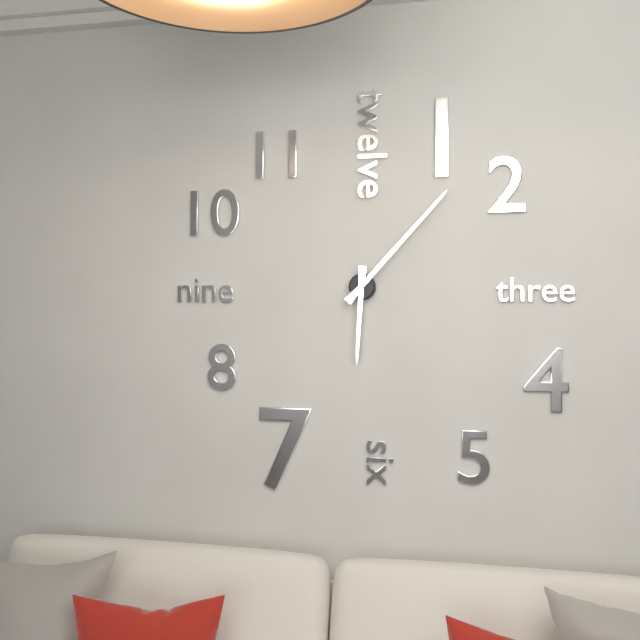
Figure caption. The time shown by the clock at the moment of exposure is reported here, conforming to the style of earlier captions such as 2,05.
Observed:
6,07
